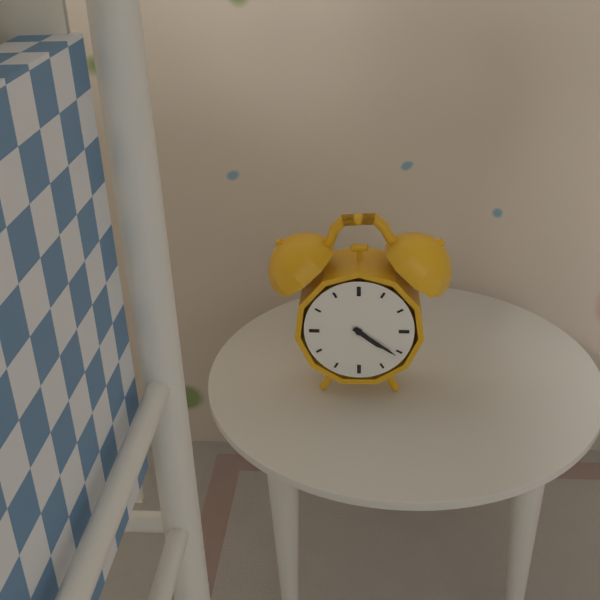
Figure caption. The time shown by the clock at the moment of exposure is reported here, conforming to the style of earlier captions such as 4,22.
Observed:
4,21
